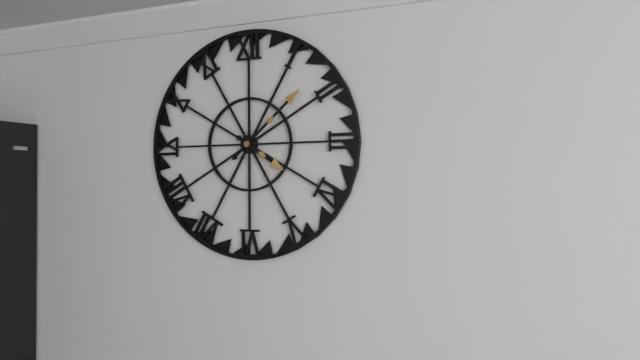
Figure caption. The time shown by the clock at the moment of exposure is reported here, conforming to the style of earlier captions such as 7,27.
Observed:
4,08
